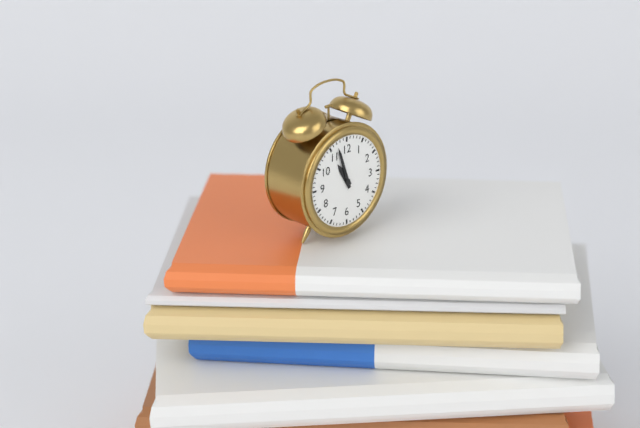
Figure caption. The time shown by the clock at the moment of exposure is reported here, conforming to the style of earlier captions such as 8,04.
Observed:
10,57
